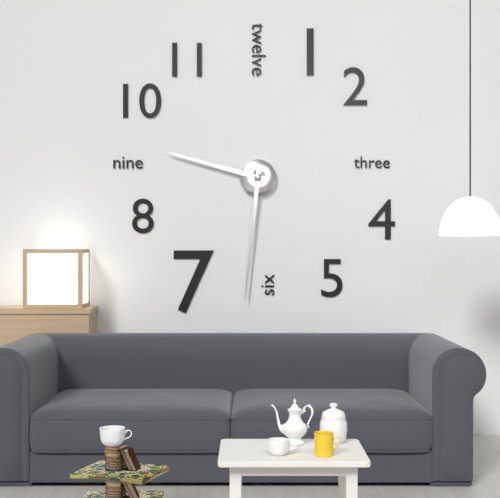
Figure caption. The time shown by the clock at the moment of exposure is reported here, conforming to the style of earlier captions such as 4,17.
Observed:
9,31
